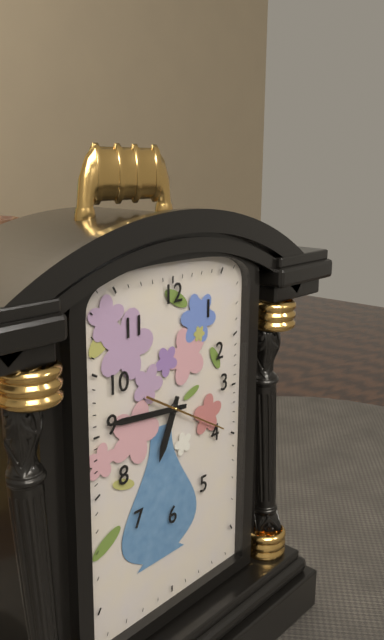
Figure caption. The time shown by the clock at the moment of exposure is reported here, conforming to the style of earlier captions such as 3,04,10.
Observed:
6,46,20
